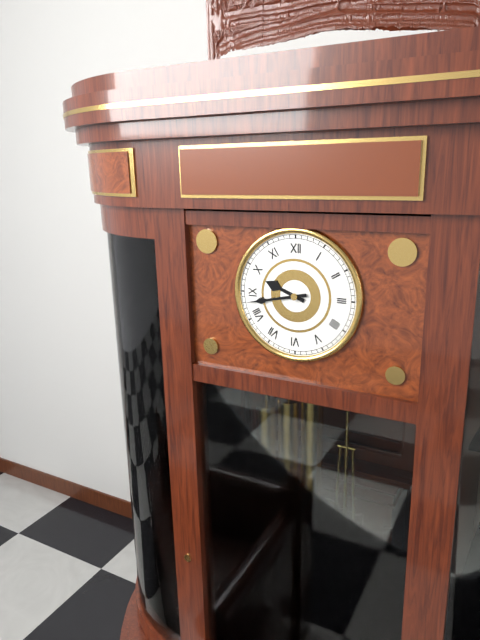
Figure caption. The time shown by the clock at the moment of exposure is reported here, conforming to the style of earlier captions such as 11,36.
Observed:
9,43
